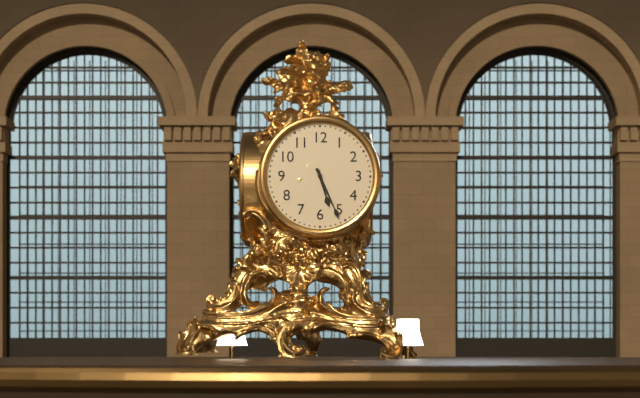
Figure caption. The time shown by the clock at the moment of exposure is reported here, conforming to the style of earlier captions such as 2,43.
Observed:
5,26
